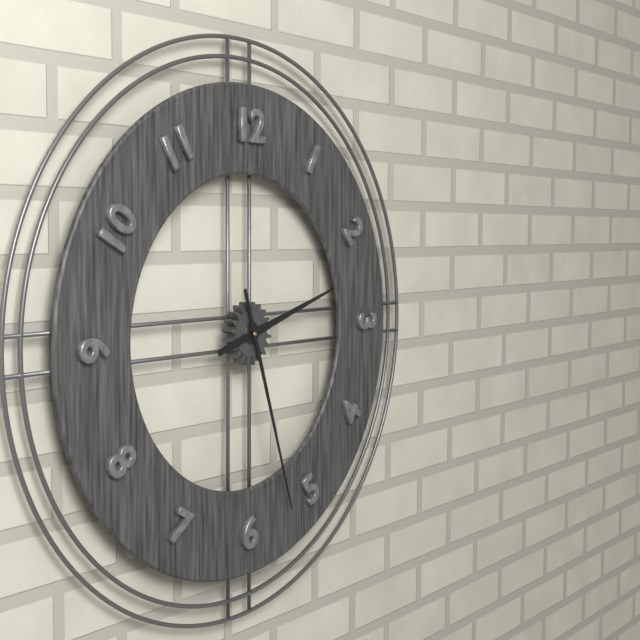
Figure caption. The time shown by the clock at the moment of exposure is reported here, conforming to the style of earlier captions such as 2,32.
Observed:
2,27
